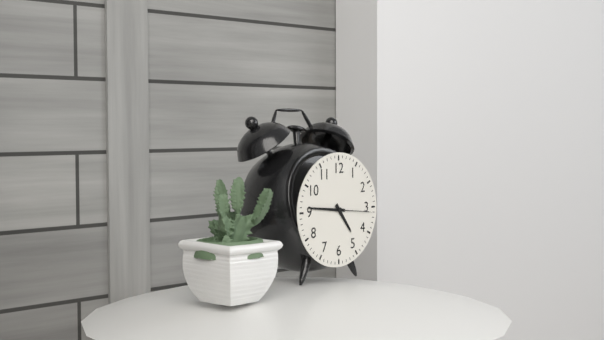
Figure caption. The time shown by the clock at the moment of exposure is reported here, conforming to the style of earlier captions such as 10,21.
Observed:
4,46
